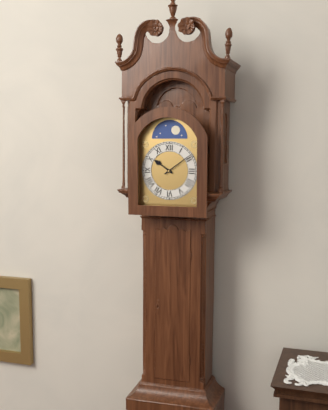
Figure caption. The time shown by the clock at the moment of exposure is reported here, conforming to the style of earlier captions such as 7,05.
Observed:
10,09
